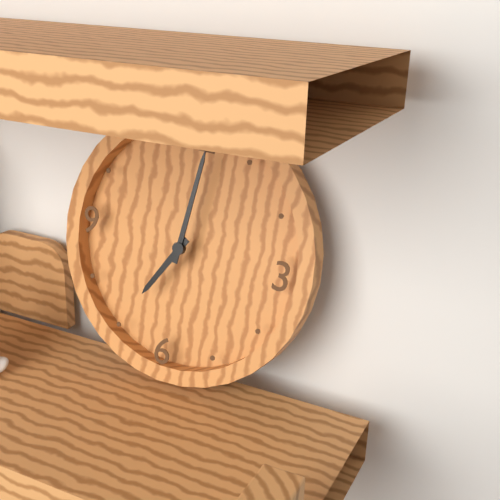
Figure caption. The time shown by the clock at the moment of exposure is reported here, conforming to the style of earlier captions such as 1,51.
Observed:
7,01
